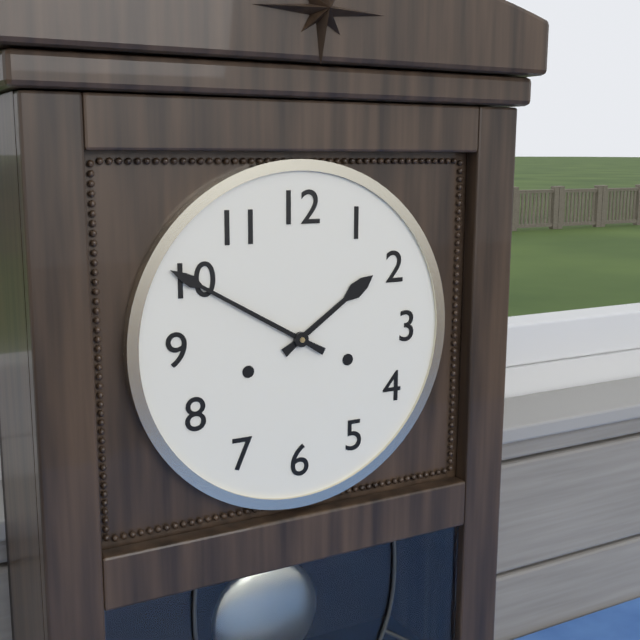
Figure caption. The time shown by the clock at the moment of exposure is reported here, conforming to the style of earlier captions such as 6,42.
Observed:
1,50
